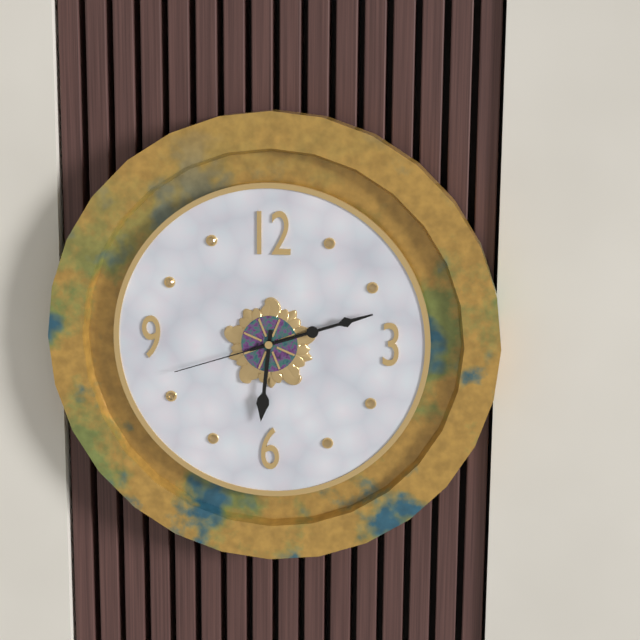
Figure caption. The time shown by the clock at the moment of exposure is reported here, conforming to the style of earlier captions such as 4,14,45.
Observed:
6,12,42
